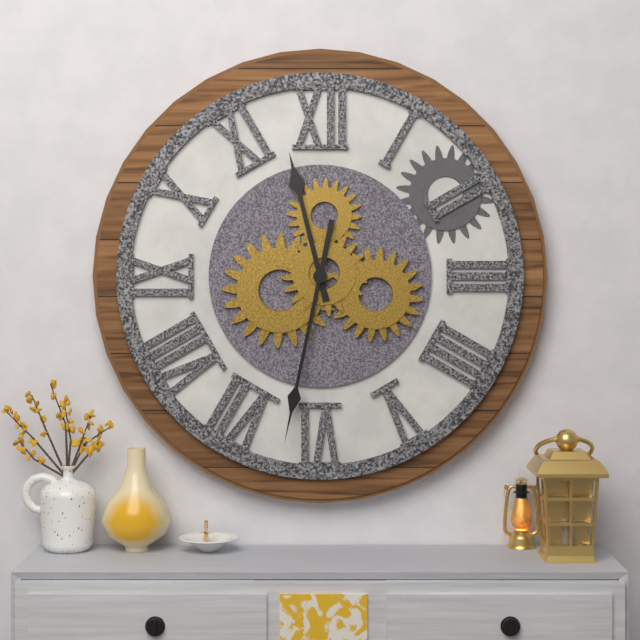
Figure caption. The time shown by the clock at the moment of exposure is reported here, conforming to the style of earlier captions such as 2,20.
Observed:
11,32
